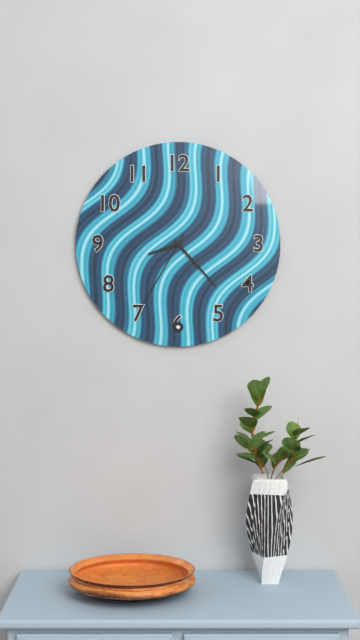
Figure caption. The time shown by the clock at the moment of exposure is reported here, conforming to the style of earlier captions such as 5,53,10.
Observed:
8,23,35
